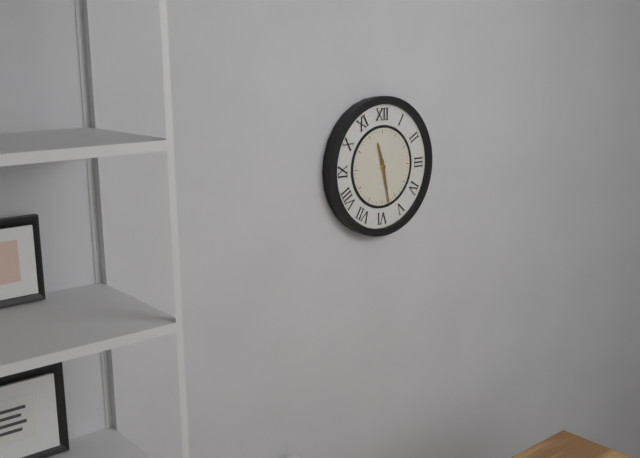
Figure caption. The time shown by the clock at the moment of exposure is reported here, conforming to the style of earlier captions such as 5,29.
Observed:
11,28
